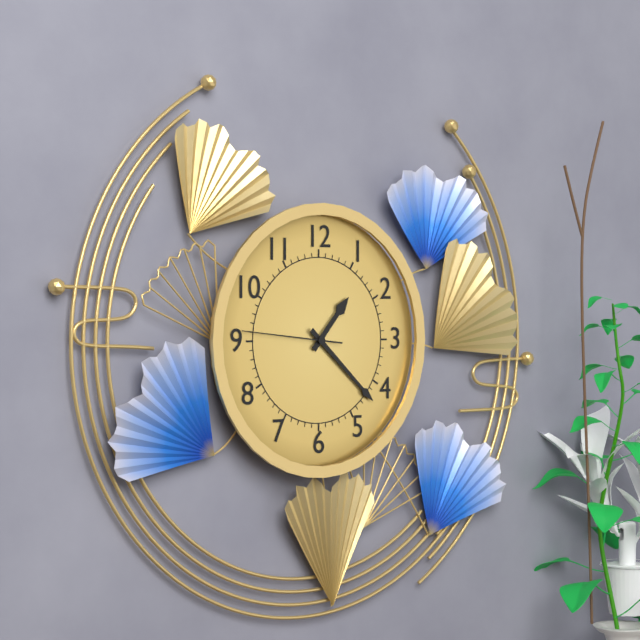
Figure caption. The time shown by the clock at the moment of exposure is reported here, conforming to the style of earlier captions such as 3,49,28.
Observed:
1,22,46
